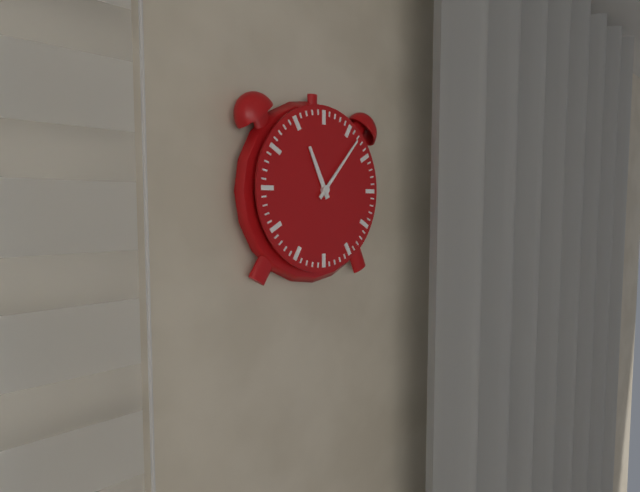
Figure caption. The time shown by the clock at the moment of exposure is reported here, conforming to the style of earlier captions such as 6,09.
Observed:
11,07
